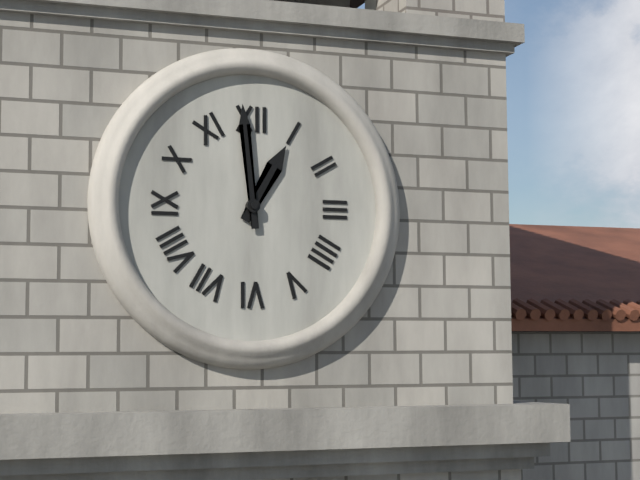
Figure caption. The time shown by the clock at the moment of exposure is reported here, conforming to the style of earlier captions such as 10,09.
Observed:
12,59
